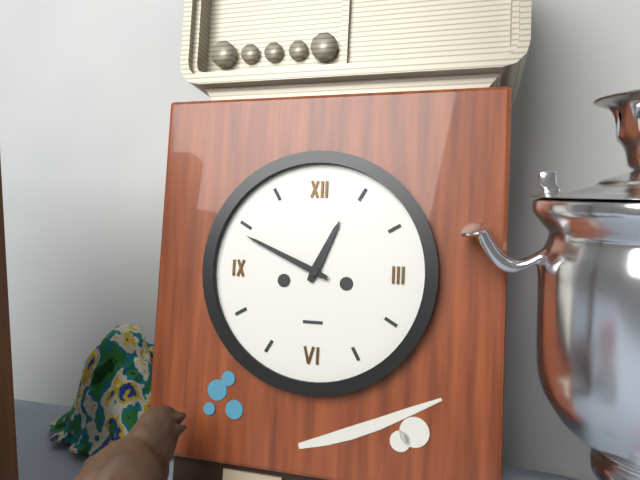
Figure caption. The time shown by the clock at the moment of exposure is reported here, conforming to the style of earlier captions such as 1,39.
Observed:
12,49
